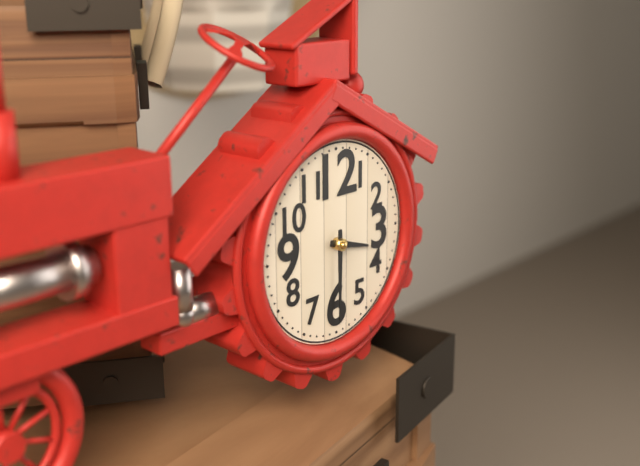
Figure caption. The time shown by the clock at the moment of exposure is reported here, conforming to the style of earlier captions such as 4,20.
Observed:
3,30
